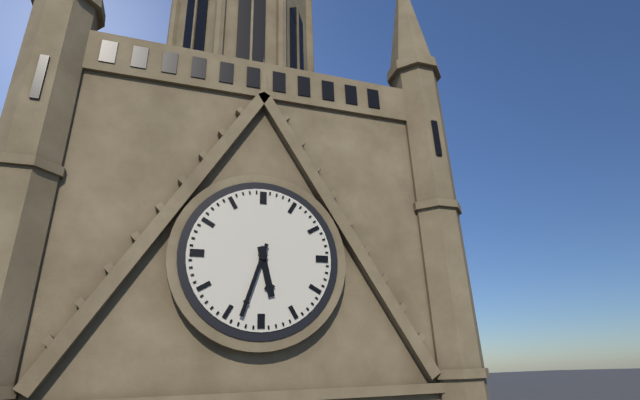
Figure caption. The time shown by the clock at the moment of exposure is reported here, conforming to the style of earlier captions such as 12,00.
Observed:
5,33
